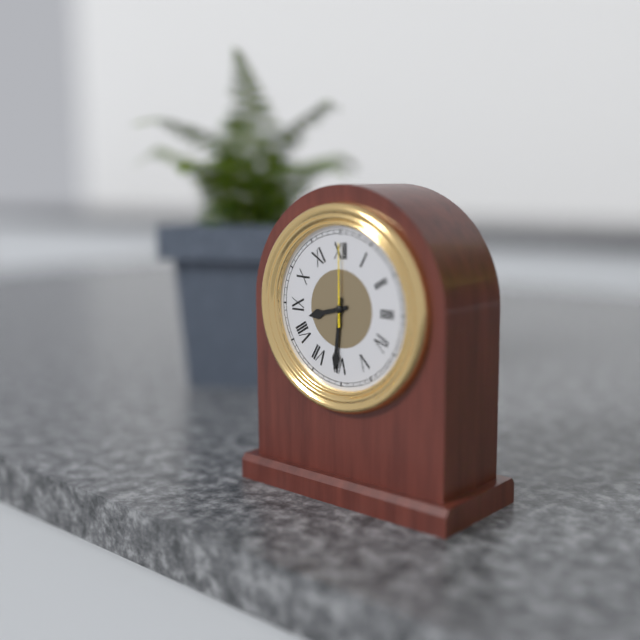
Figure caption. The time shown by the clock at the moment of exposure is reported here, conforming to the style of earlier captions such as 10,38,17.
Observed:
8,31,00
